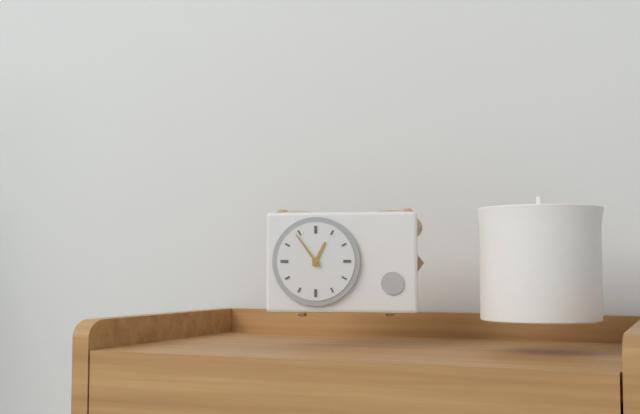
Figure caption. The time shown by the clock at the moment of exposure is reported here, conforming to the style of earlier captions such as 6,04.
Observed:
12,54
